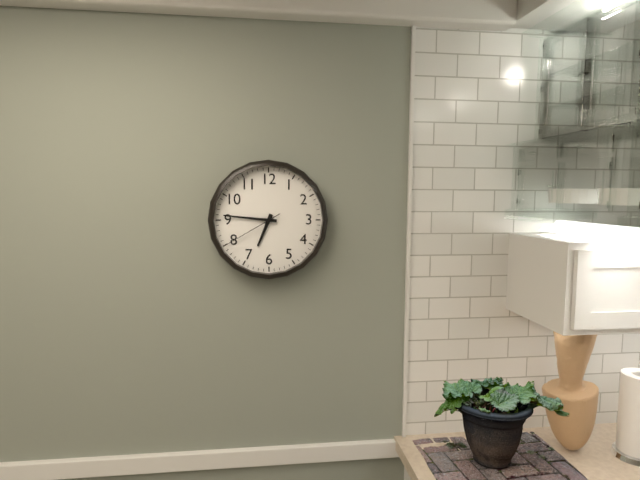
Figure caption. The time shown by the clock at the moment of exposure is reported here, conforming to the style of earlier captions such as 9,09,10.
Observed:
6,46,40
